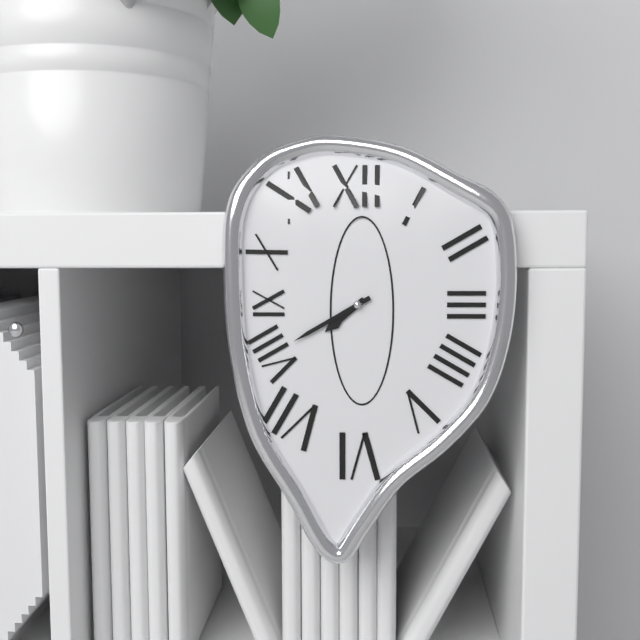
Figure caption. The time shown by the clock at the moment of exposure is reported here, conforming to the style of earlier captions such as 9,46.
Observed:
7,40
